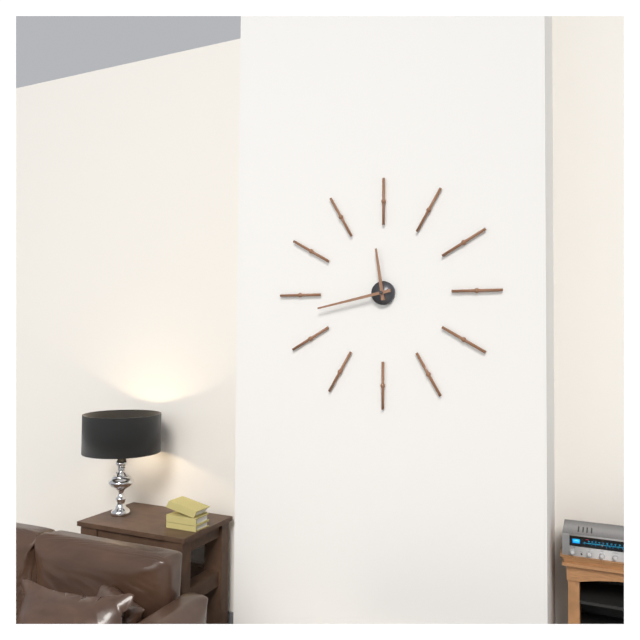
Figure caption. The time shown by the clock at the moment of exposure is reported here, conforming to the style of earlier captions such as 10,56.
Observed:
11,43
